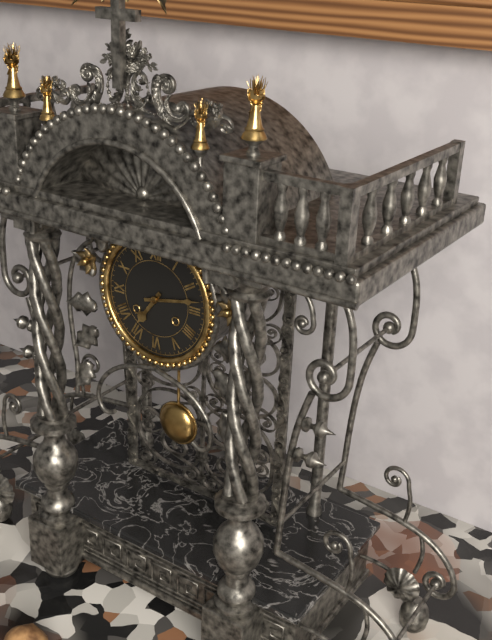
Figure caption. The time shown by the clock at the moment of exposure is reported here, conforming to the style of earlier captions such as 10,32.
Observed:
7,13
